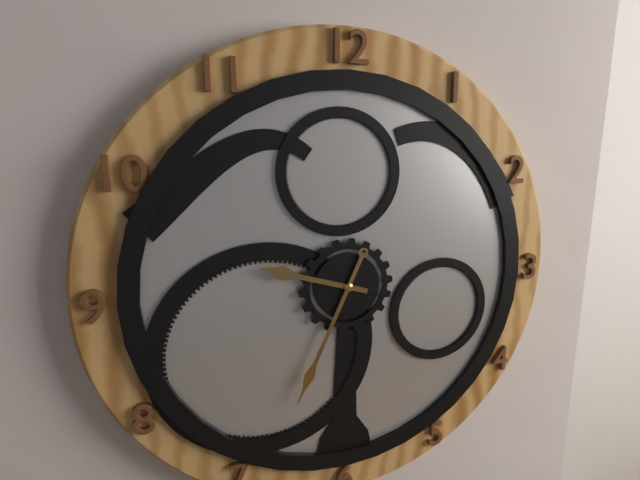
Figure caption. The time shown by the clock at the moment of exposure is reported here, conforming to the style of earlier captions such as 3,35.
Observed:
9,34
